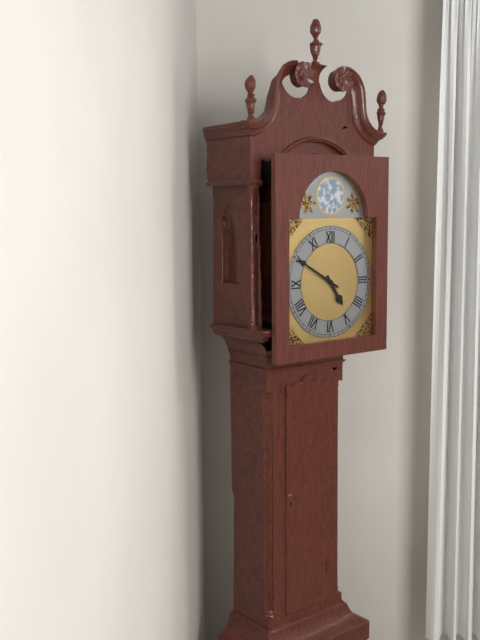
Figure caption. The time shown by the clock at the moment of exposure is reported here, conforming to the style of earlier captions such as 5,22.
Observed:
4,50
